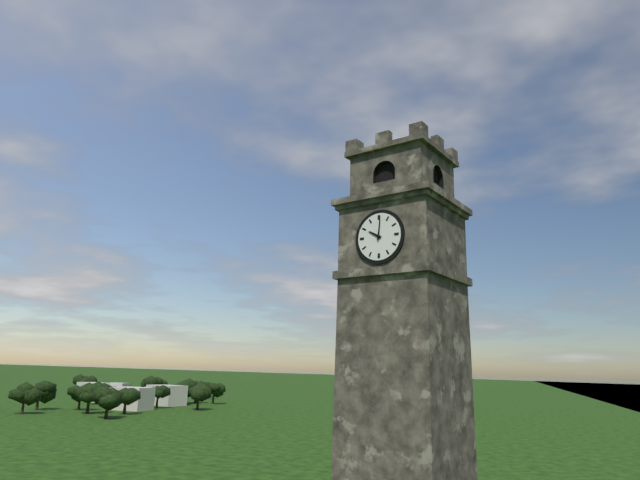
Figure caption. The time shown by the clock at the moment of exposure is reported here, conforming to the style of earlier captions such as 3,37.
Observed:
10,01
